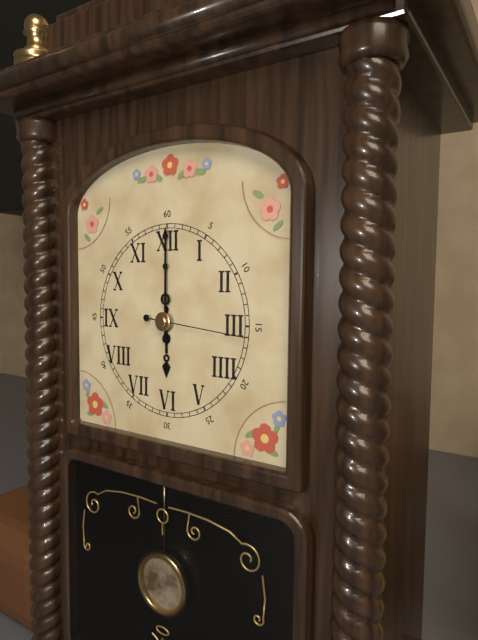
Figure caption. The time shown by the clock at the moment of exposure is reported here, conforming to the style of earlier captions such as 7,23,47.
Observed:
6,00,16
